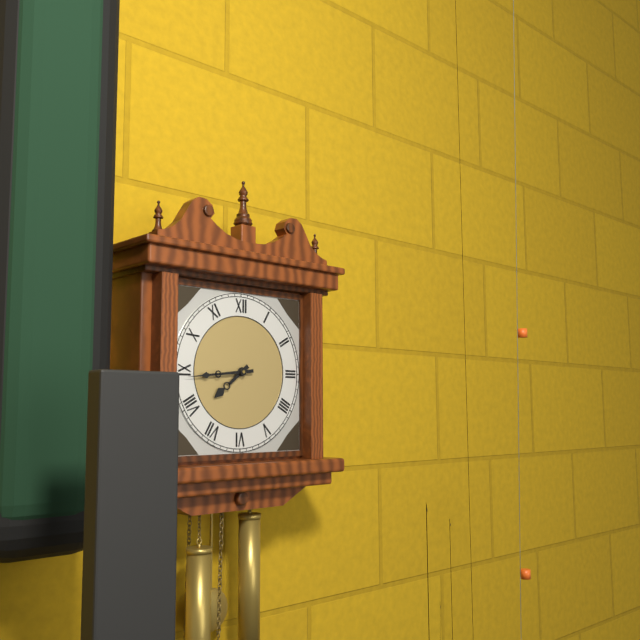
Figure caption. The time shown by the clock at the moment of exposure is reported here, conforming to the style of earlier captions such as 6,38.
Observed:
7,44
